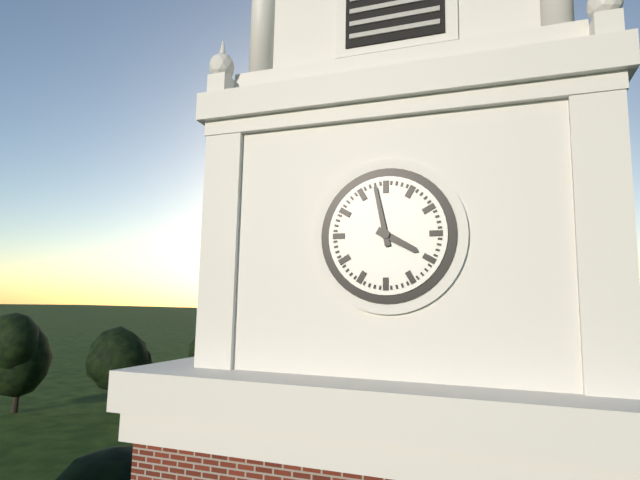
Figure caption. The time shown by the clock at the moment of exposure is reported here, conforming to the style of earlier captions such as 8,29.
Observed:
3,58
